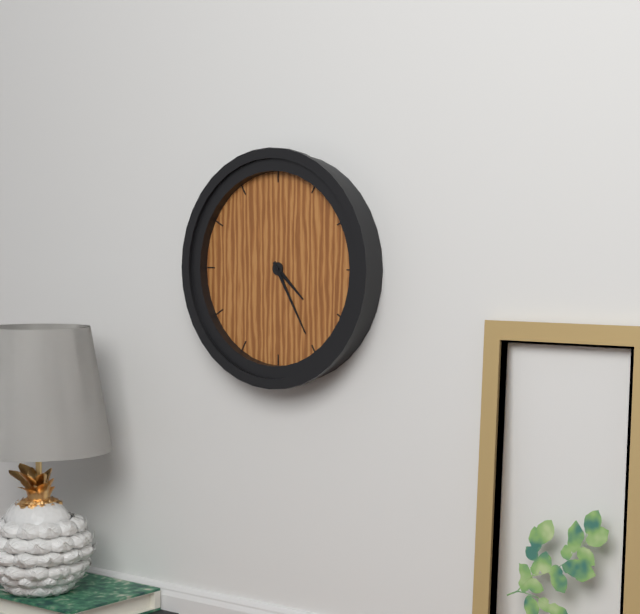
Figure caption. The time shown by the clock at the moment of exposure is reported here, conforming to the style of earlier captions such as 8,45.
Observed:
4,25
